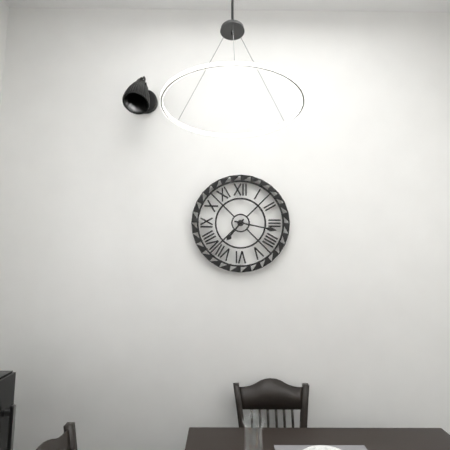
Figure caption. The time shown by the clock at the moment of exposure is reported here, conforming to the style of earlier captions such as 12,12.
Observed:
7,17
